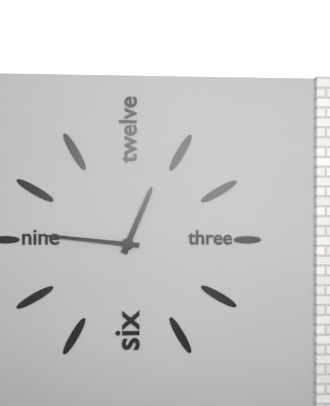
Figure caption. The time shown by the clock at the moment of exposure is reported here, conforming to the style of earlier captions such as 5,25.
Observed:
12,46
